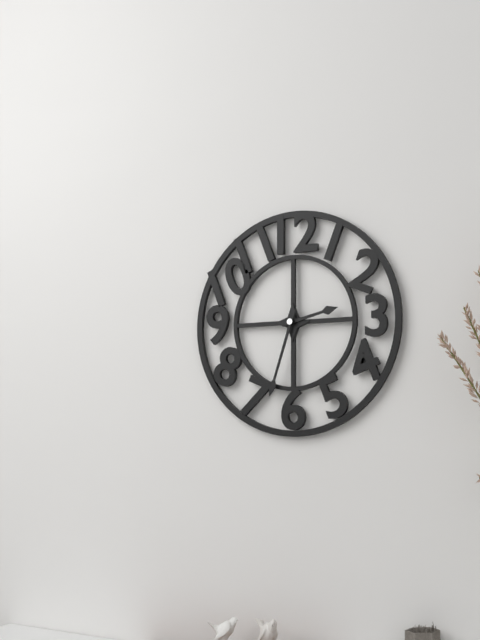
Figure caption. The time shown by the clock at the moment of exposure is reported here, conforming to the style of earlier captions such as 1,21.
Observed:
2,33
